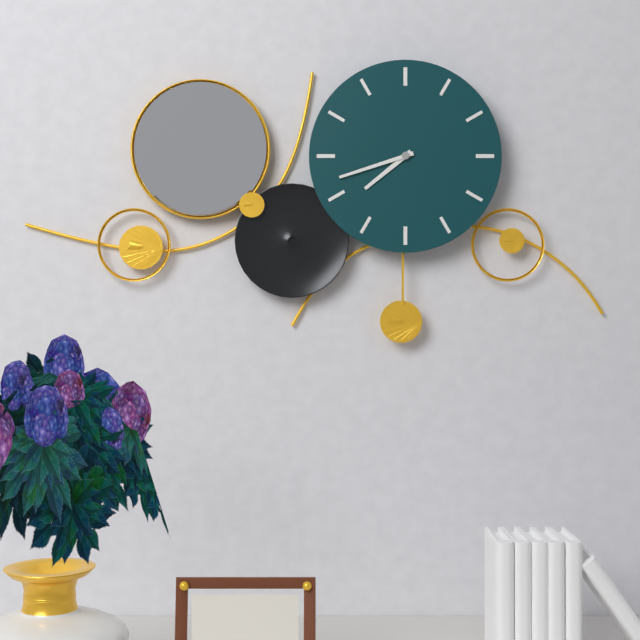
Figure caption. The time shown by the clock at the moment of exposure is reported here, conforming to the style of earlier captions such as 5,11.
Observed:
7,42
